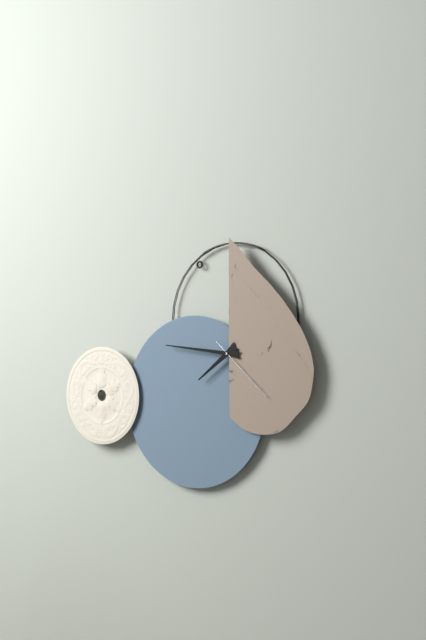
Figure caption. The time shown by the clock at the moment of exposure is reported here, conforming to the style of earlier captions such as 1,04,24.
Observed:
7,46,22
